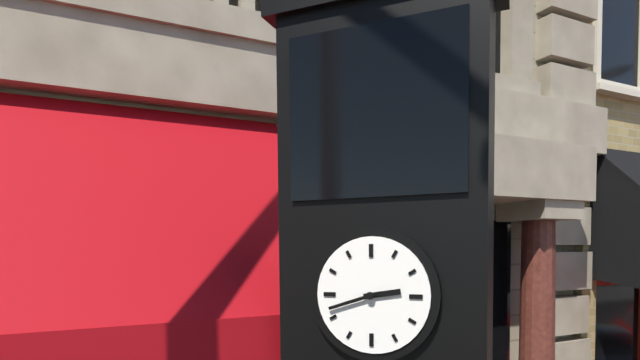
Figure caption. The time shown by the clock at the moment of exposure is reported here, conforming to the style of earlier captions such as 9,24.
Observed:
2,42
